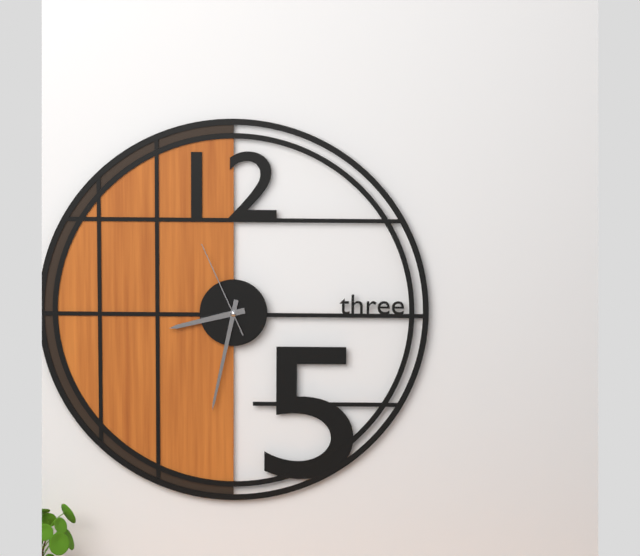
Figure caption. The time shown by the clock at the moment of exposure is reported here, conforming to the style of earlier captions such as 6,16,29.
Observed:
8,32,56
